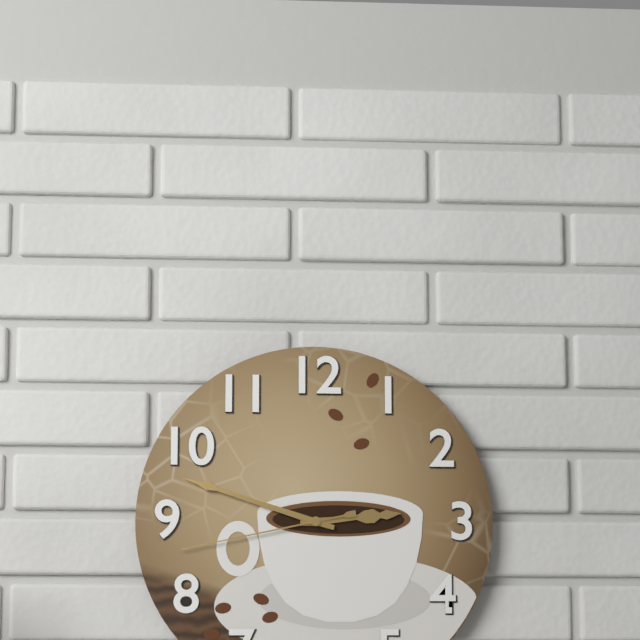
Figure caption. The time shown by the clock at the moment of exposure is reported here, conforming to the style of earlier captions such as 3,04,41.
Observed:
2,48,43
